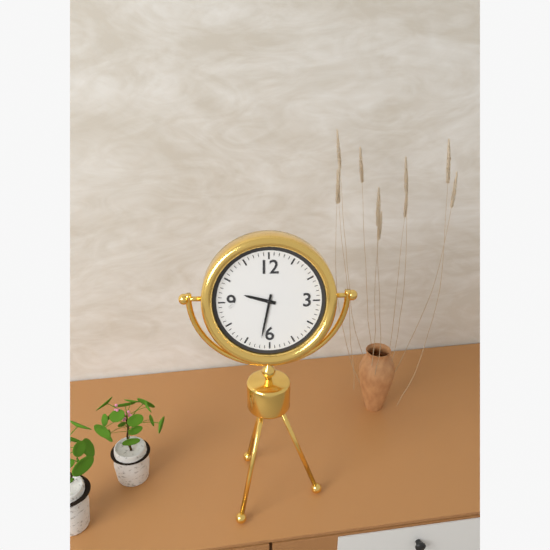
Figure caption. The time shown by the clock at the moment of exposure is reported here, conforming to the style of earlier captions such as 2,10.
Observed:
9,32
